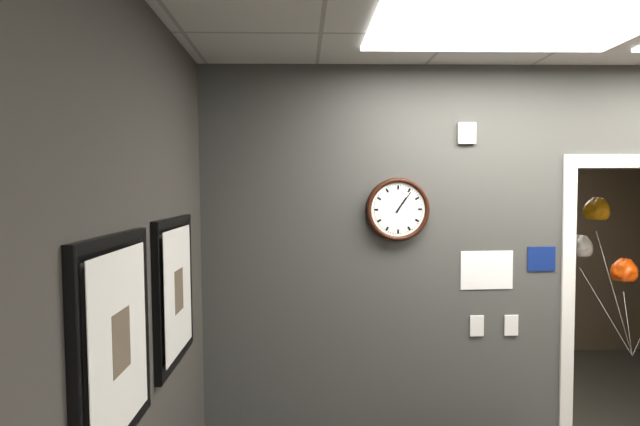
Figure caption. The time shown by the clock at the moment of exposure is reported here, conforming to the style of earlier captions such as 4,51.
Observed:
1,06
